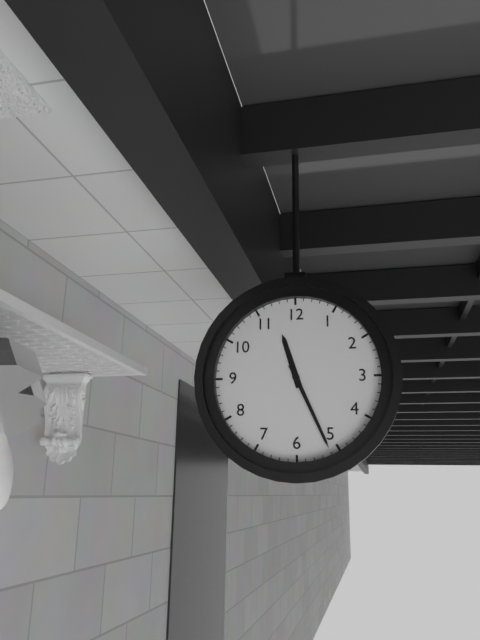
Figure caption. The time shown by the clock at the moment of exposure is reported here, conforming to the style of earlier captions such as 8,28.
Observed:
11,26
